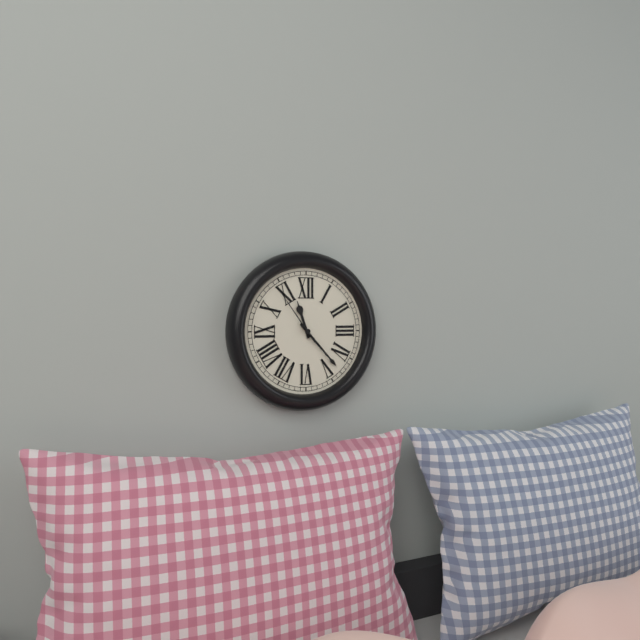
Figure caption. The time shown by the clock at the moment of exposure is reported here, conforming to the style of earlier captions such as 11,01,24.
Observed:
11,23,54
